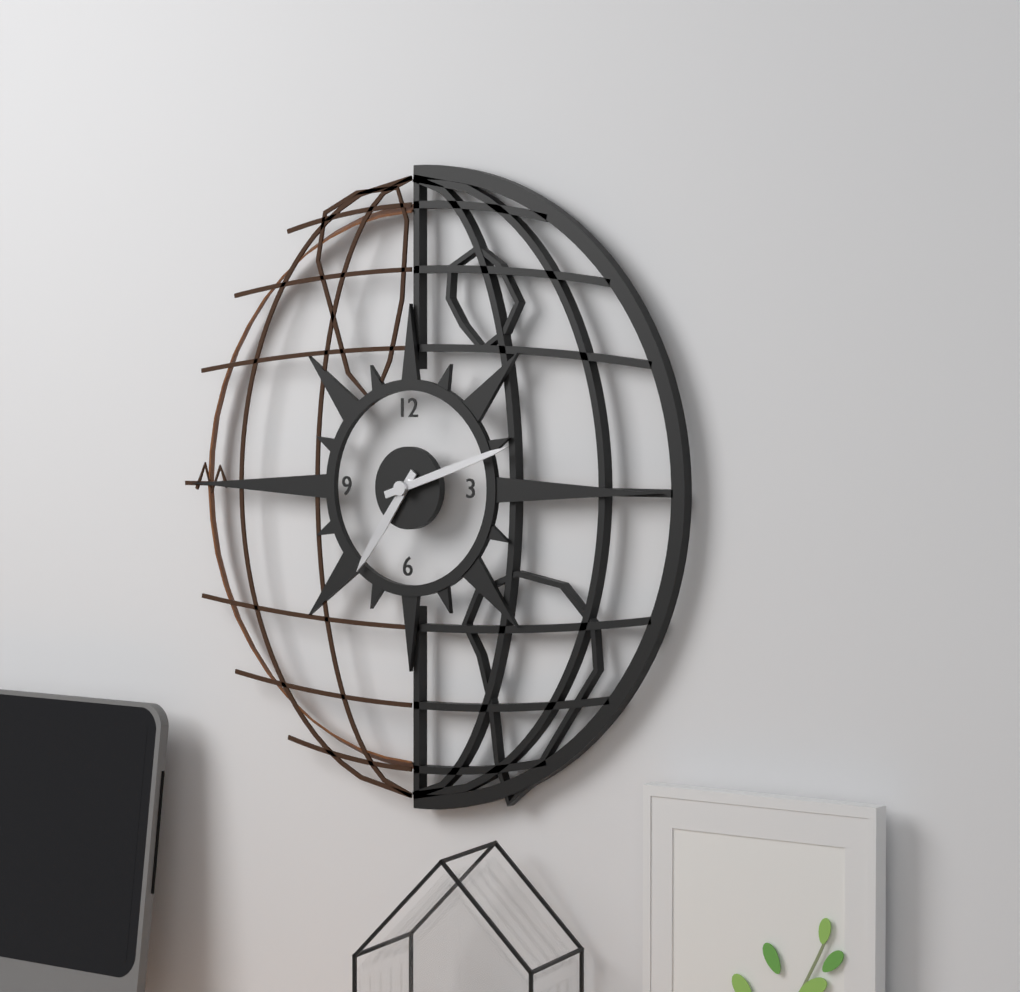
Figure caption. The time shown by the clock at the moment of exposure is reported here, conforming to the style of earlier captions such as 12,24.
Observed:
7,12
